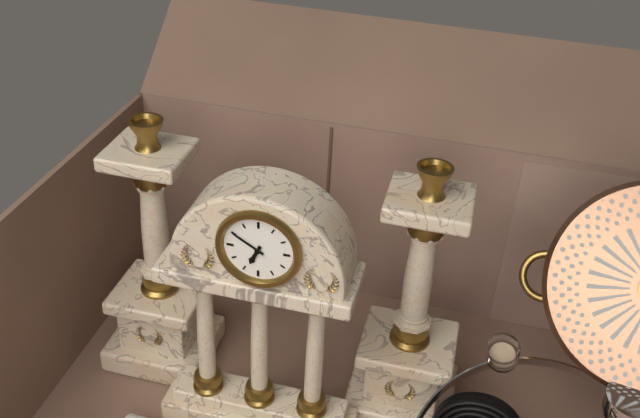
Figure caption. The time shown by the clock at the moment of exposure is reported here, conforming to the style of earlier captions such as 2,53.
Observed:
6,50
